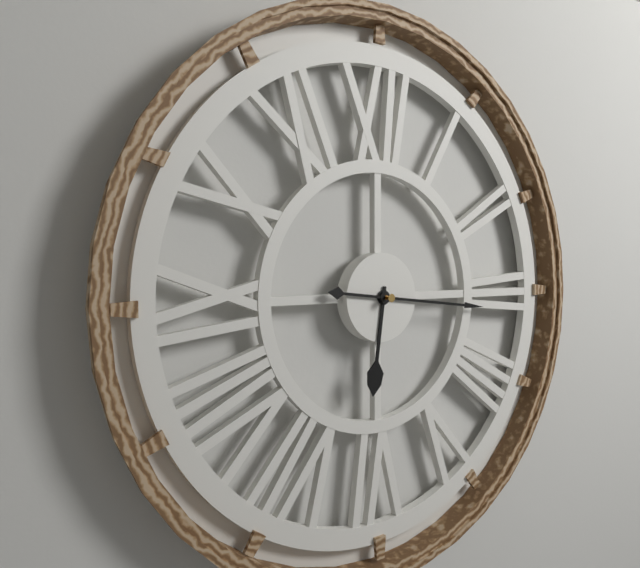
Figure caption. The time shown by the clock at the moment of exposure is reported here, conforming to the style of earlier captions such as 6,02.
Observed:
6,16
